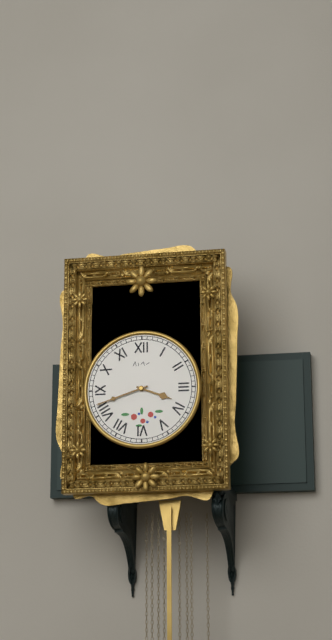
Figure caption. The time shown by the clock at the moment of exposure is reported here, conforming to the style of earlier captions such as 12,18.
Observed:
3,42
